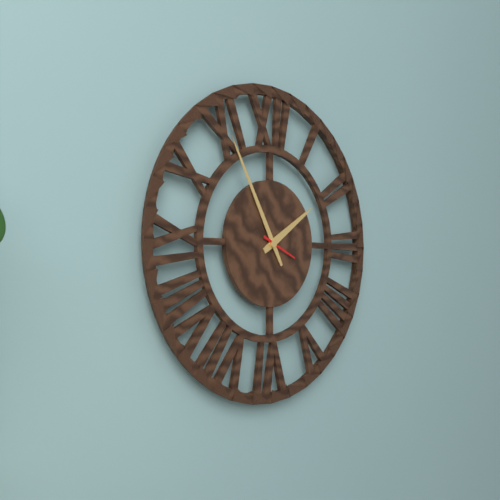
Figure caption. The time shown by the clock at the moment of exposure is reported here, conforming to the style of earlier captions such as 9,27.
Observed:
1,55
